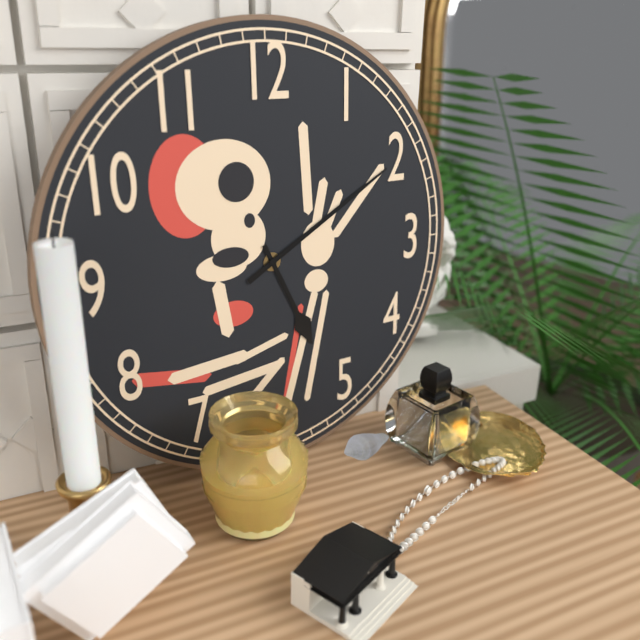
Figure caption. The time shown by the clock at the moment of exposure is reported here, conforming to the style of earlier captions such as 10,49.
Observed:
5,10
